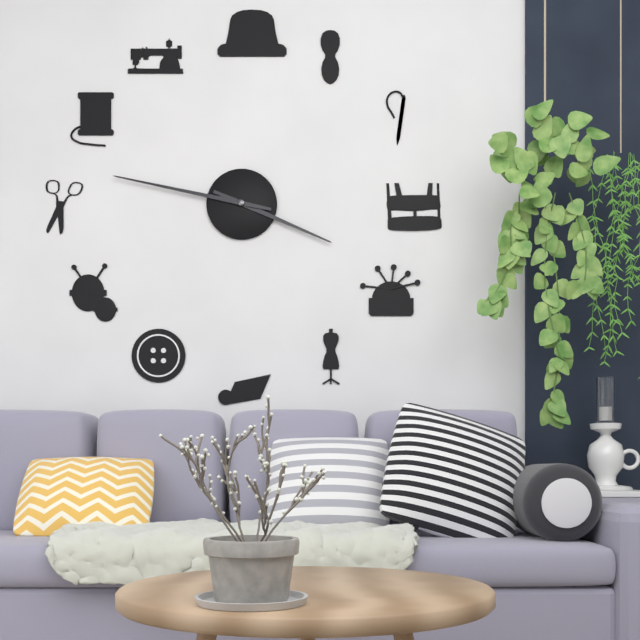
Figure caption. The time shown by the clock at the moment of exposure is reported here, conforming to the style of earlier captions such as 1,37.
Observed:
3,47
